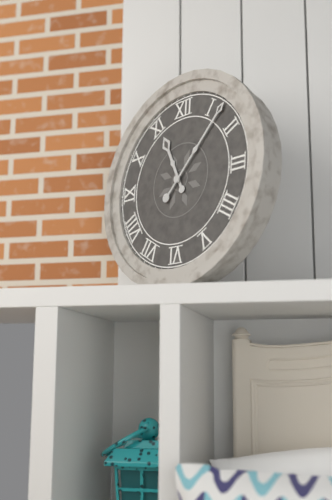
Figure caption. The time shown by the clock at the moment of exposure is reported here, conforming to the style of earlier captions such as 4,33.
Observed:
11,07
